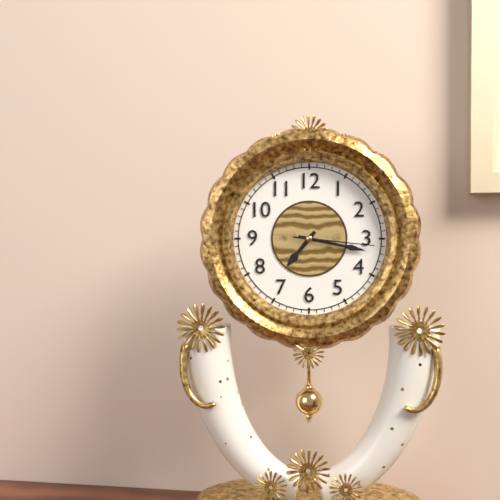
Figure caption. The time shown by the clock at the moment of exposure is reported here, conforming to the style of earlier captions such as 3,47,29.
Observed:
7,17,16
